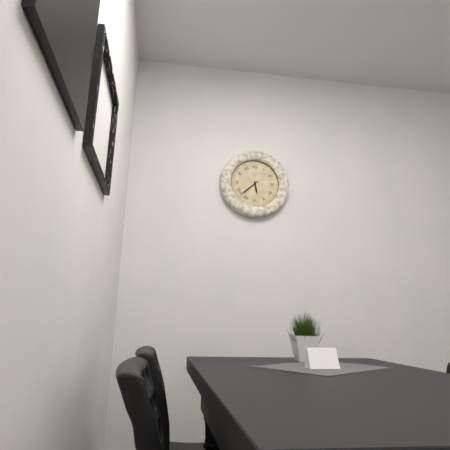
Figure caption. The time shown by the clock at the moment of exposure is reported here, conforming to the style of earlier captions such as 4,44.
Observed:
5,38
